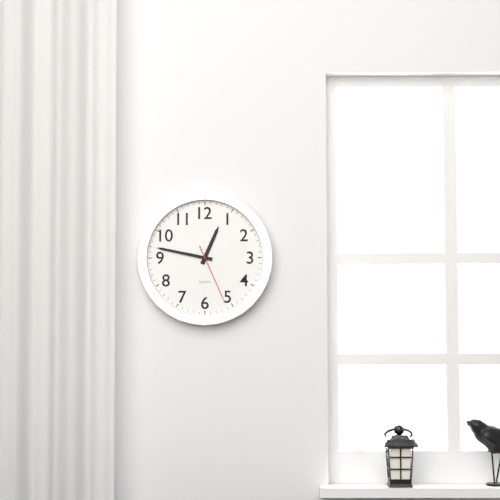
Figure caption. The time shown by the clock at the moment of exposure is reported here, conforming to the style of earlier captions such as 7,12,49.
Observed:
12,47,26
